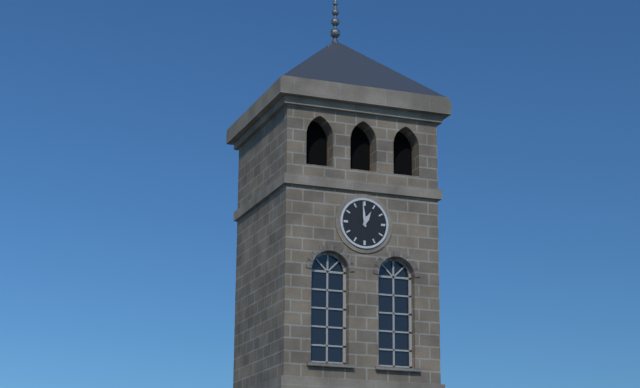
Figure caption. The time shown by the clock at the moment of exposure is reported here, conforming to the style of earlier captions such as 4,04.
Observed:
12,59
